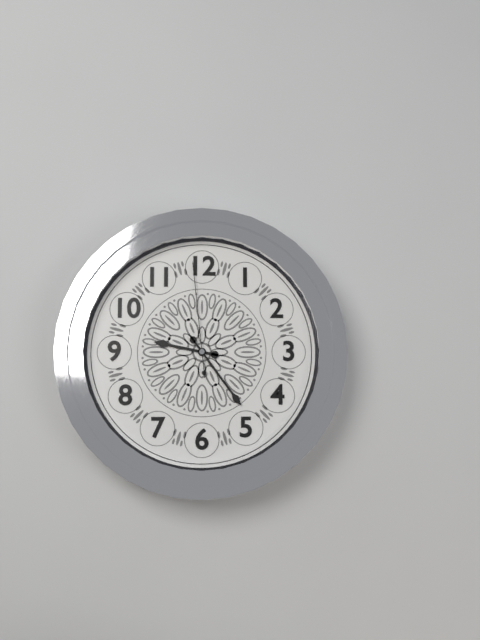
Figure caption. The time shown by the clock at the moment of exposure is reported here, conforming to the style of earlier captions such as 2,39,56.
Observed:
9,24,59
